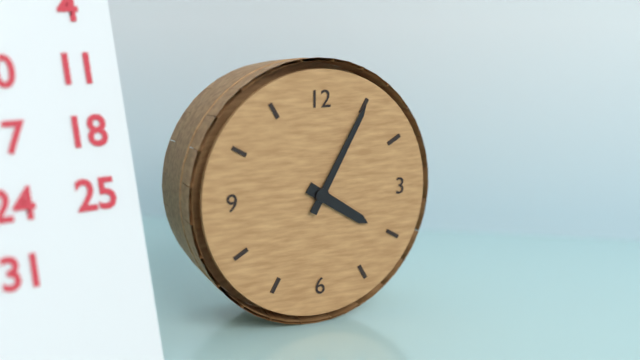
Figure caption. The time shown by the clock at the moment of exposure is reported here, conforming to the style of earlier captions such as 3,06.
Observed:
4,05
